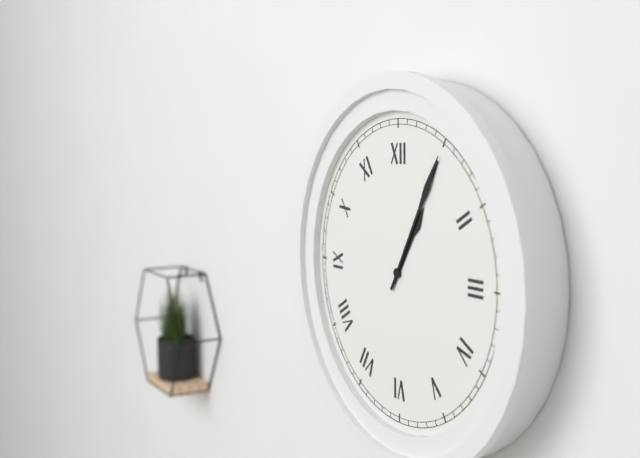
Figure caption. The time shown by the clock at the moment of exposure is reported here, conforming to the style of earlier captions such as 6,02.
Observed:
1,05
